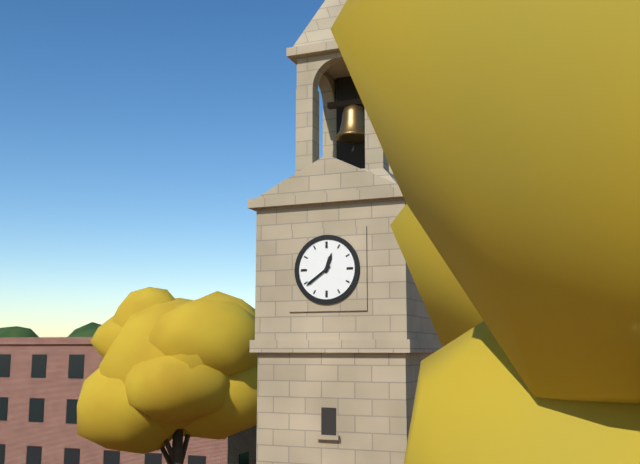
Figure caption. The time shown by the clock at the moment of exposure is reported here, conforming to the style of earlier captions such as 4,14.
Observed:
12,39
